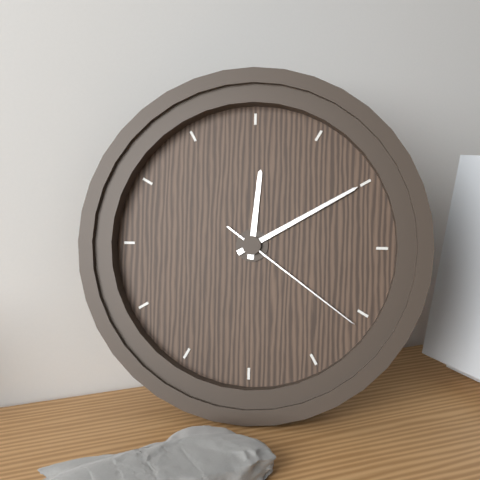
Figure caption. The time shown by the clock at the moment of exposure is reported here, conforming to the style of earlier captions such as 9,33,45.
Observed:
12,10,21
